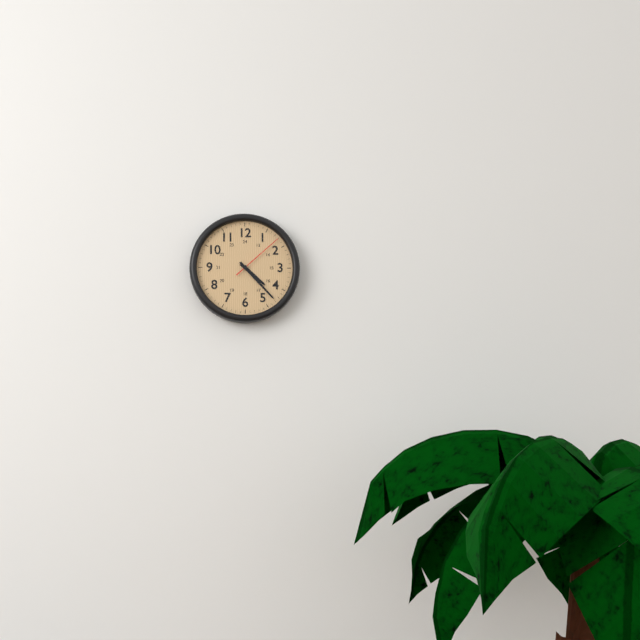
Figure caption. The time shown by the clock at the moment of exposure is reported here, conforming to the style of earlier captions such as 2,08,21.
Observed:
4,23,08
